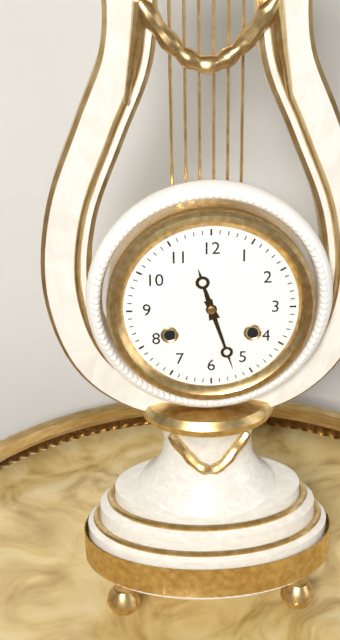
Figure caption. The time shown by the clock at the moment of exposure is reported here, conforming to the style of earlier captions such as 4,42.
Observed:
11,27
